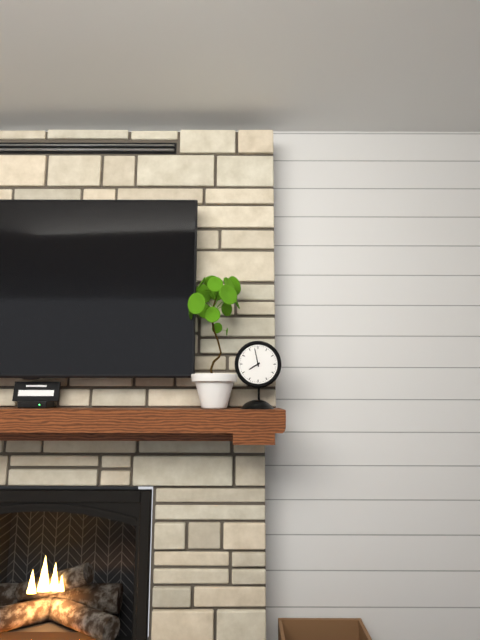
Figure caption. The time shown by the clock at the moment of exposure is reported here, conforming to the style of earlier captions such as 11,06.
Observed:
7,58
